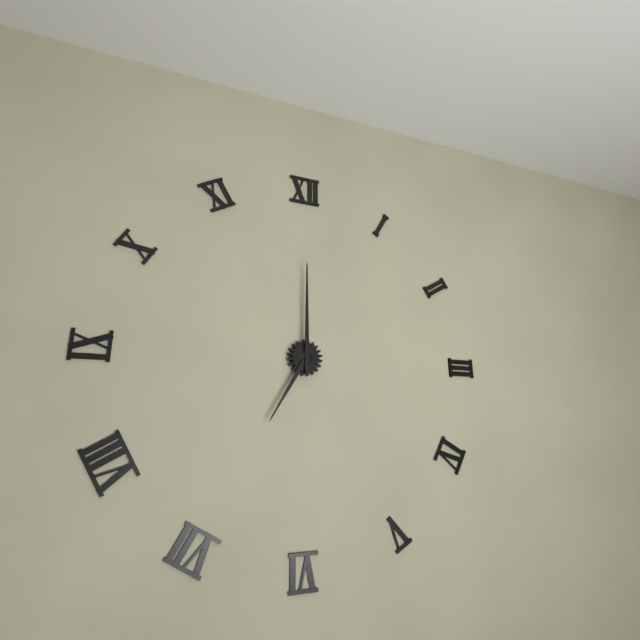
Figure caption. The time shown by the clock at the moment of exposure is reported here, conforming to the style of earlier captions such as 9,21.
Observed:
7,00
